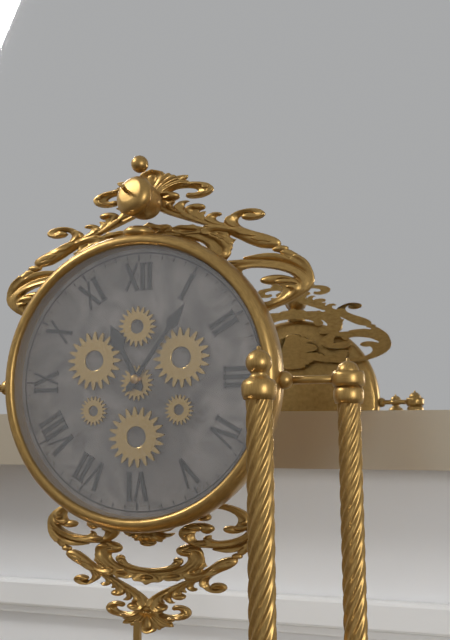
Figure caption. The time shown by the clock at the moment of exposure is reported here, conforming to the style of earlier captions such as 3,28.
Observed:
11,06
